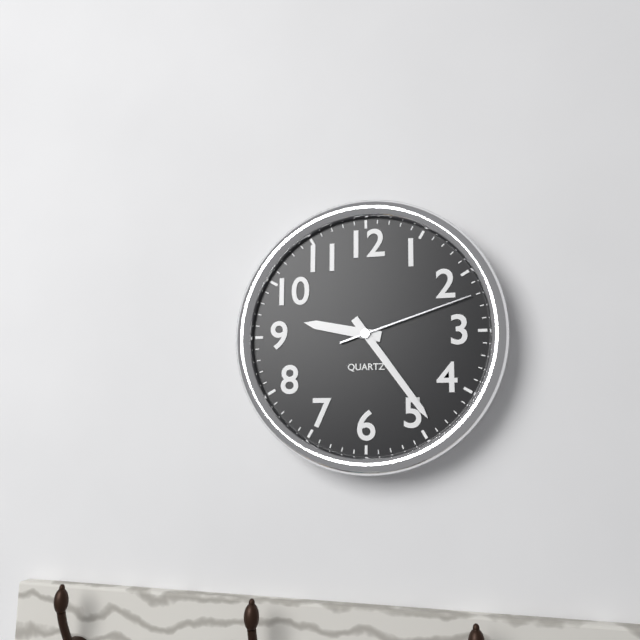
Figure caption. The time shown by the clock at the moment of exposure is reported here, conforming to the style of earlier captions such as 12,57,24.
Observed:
9,24,12
